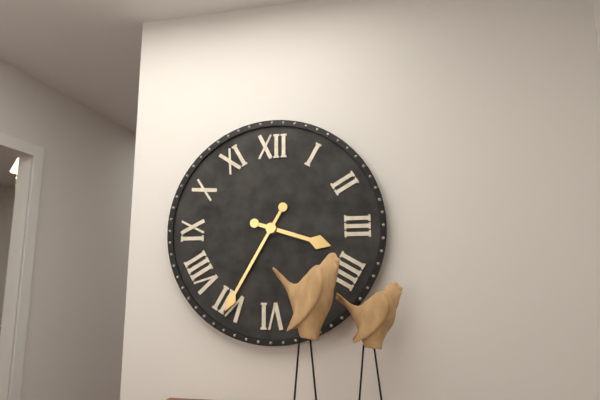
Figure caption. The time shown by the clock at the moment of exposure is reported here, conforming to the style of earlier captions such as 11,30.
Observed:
3,35
